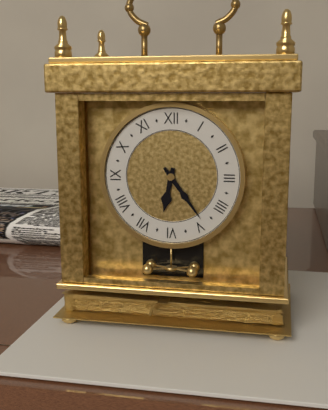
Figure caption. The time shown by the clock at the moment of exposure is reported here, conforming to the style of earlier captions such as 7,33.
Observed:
6,24
